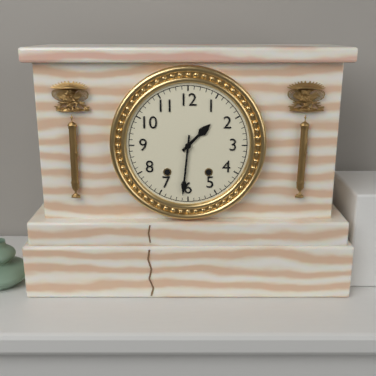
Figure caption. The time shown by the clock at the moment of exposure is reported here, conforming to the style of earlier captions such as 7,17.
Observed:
1,31
